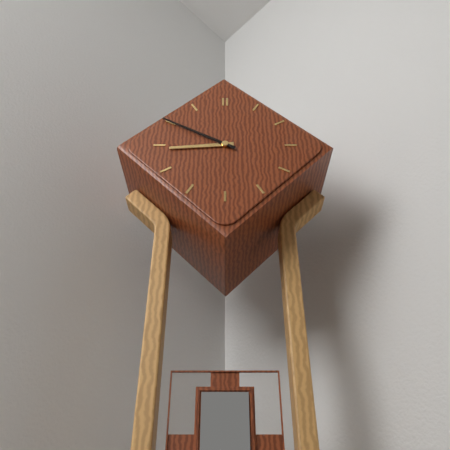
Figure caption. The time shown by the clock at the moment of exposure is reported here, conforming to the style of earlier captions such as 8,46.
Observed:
8,50
